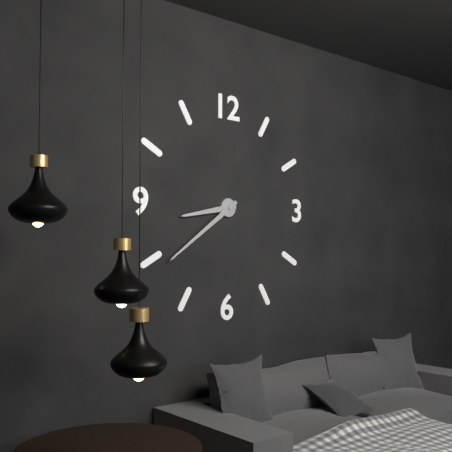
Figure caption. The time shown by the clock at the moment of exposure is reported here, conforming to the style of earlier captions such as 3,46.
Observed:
8,39
